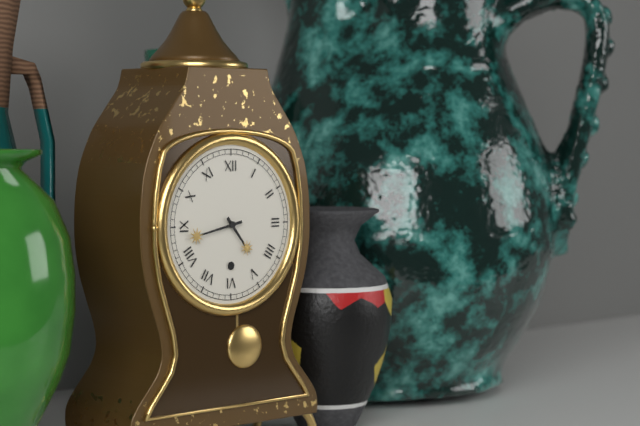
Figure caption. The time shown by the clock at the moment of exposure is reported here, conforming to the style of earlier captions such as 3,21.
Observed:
4,43
